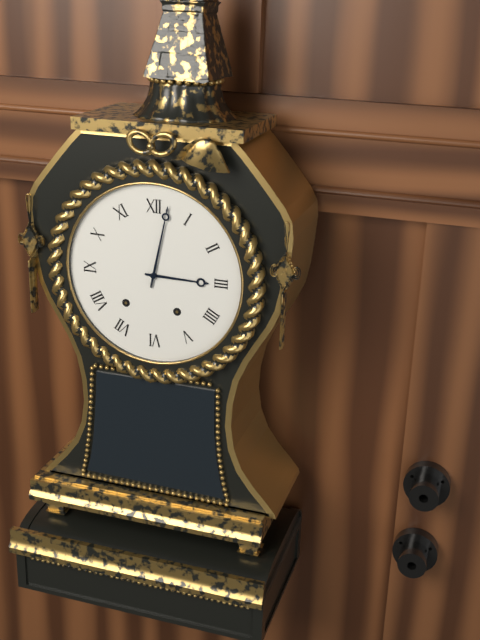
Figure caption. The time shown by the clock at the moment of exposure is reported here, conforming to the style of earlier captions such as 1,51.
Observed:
3,02
